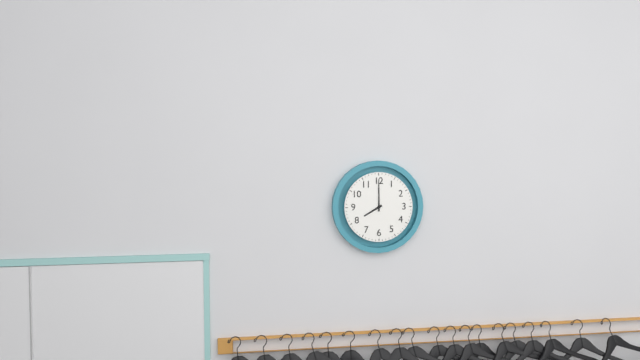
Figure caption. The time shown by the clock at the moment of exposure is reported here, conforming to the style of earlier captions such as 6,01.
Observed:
8,00
